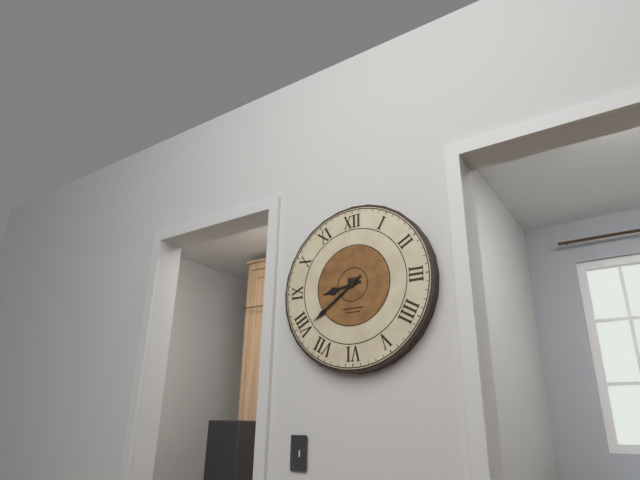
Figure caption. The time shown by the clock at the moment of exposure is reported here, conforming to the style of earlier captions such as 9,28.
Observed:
8,39
